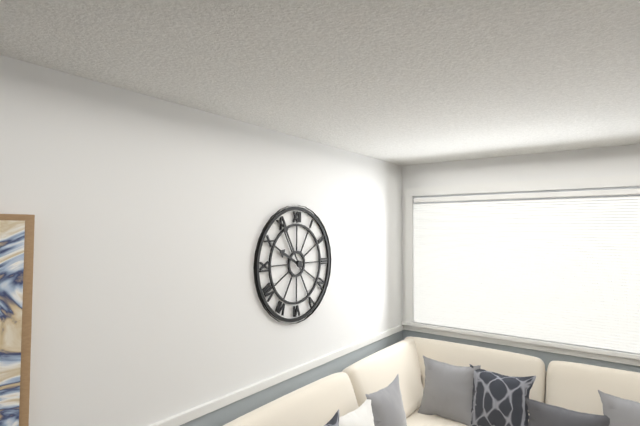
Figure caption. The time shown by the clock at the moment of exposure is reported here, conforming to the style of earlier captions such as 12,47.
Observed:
9,55
